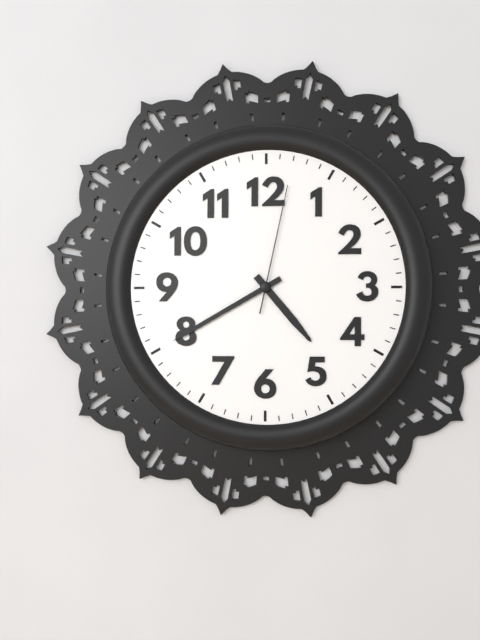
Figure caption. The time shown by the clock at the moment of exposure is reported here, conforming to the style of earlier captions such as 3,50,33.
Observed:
4,40,02
